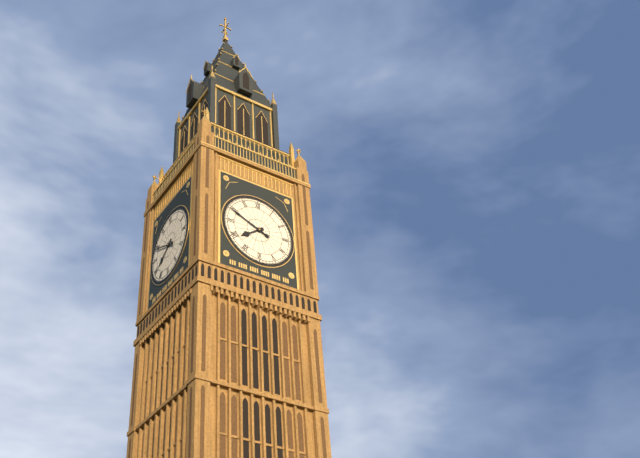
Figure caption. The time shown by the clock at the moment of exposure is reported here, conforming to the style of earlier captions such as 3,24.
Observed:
7,49
